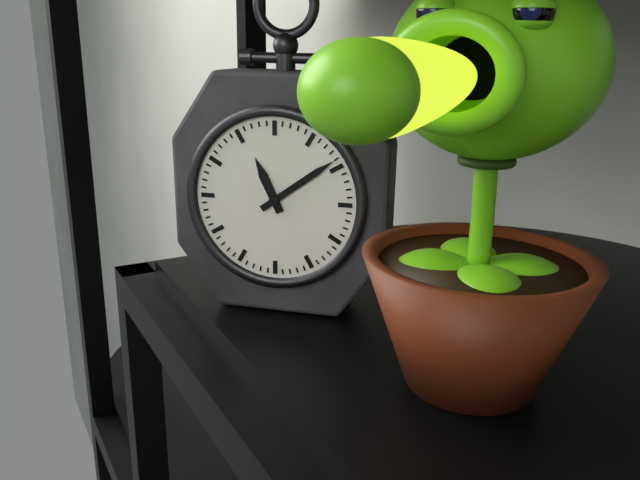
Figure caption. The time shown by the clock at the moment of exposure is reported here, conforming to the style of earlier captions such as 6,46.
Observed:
11,09
